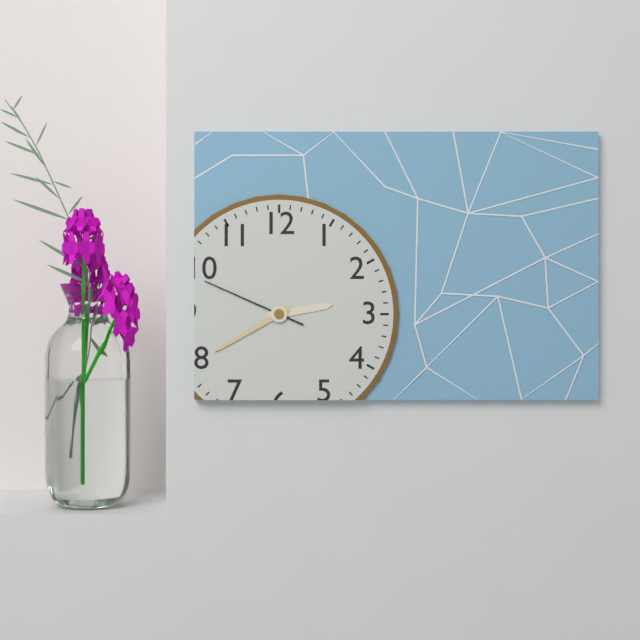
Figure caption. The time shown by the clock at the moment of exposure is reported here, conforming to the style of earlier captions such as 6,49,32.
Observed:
2,40,49
